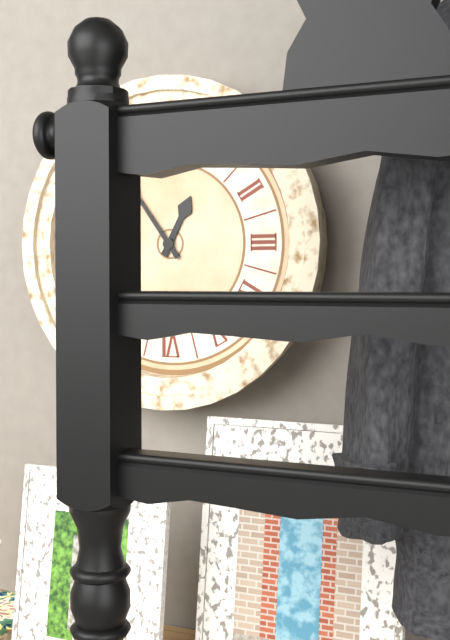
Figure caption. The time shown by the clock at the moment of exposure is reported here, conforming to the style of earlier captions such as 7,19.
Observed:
12,54
